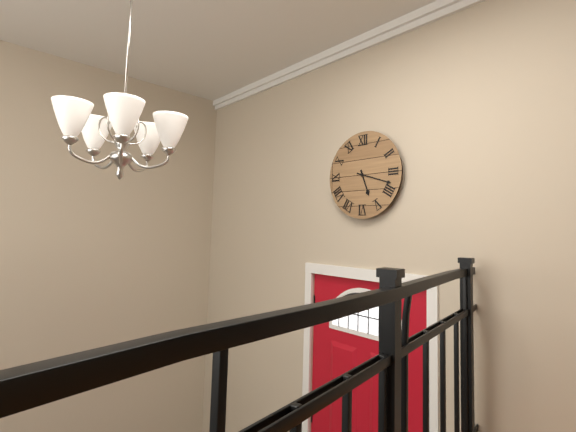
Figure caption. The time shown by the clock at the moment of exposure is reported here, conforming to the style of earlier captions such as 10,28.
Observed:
5,18
